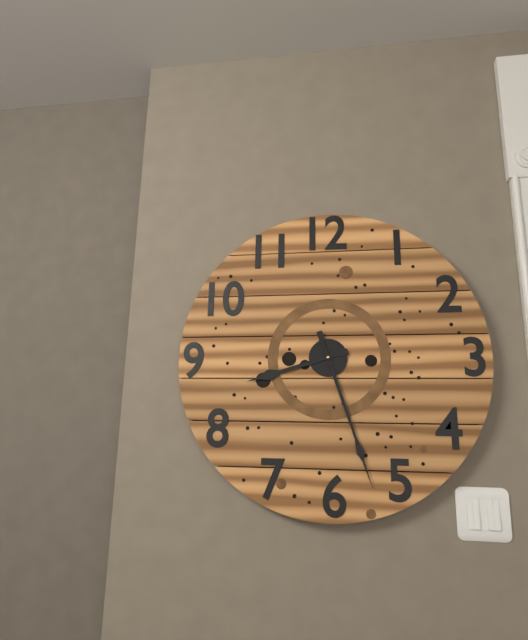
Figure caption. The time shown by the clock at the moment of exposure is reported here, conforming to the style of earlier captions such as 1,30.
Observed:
8,27
